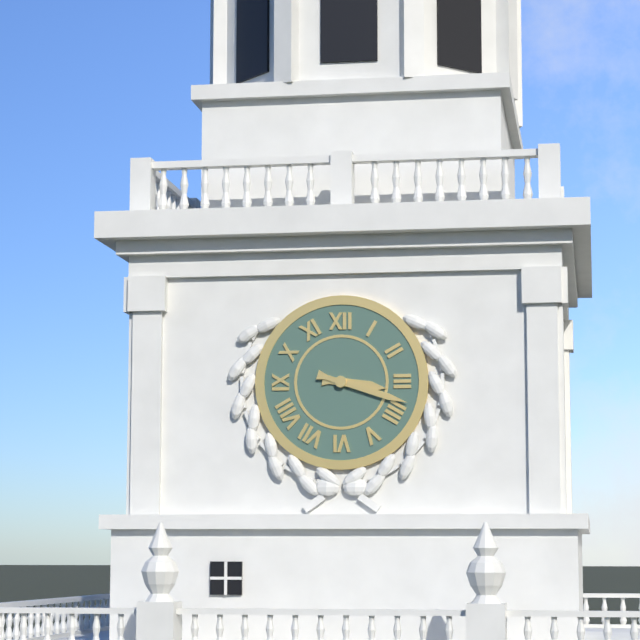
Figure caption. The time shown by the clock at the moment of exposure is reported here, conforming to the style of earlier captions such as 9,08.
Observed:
3,18
